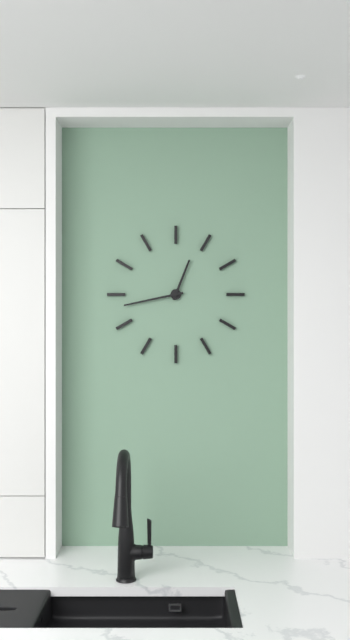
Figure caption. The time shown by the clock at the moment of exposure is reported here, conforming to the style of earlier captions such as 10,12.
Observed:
12,43
